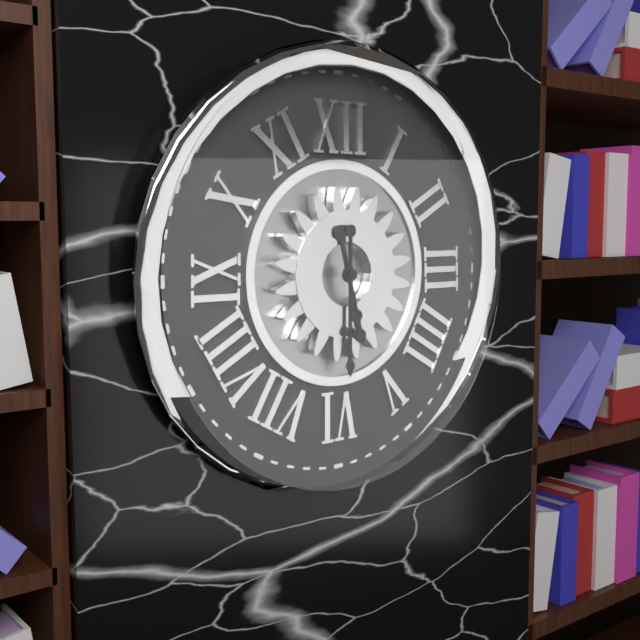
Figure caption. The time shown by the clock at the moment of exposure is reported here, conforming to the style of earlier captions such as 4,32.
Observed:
5,30
